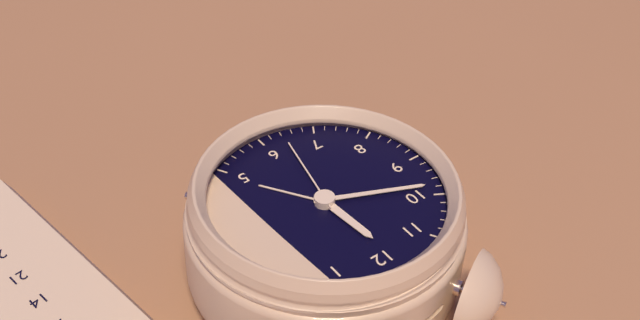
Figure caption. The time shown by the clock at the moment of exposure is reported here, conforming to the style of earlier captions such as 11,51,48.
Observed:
11,49,32
